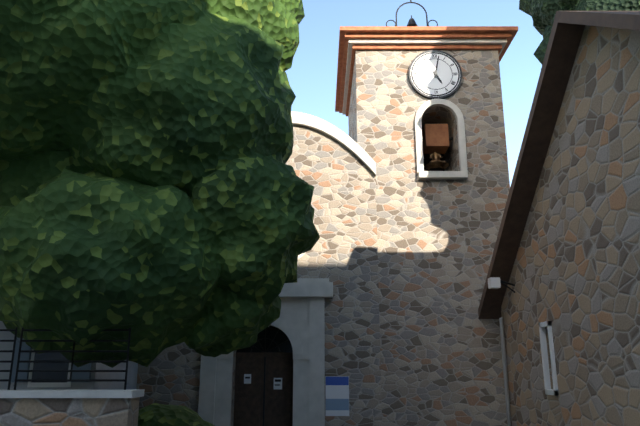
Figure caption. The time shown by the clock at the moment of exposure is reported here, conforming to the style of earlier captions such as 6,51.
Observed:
5,02
